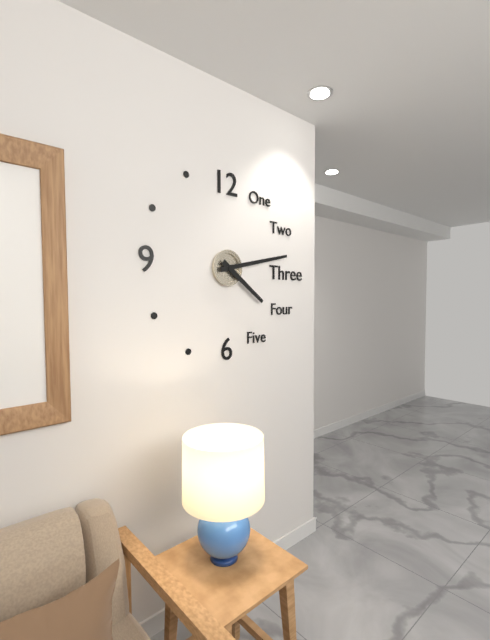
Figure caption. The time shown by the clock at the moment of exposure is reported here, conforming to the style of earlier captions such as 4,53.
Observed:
4,13
